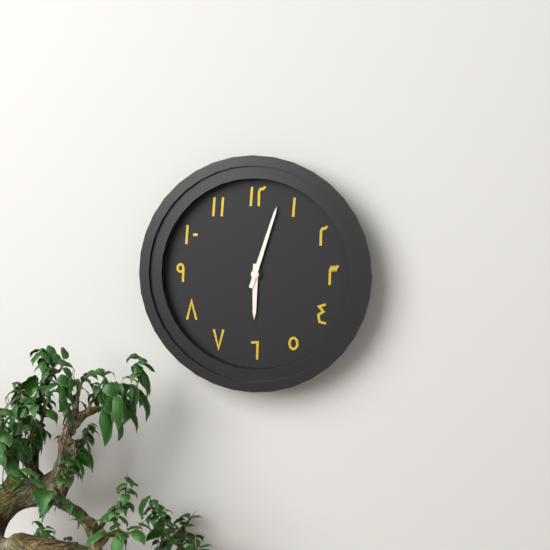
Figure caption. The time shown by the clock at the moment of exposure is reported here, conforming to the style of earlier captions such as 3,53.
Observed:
6,03
